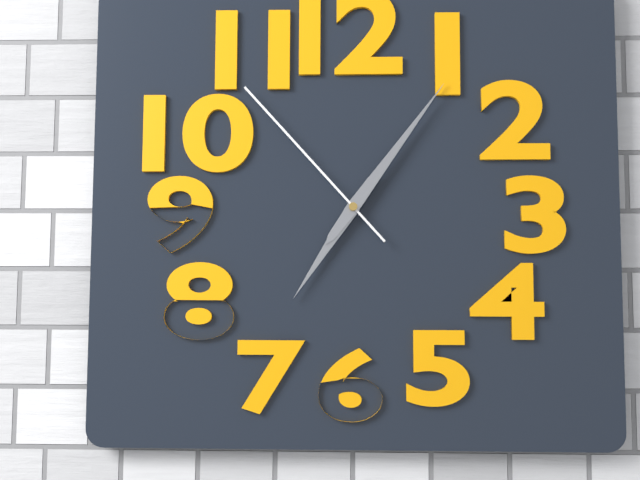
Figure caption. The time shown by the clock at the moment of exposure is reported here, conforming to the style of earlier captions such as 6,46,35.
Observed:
7,06,53
